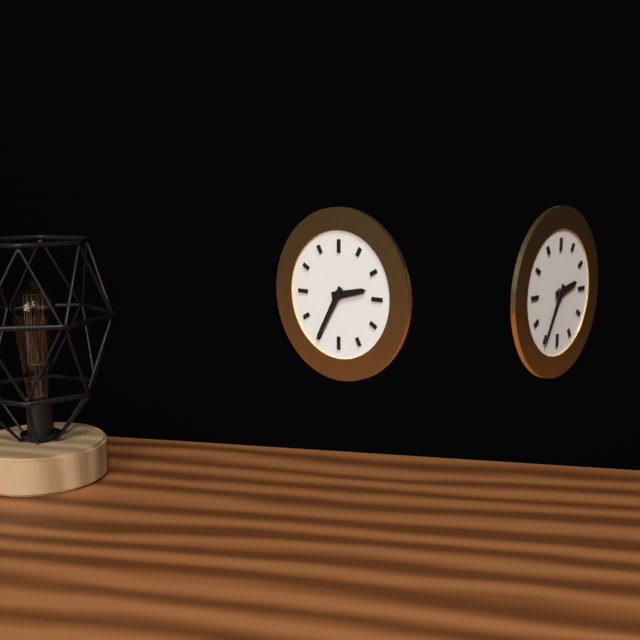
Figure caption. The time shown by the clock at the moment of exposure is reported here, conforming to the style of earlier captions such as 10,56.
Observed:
2,35
